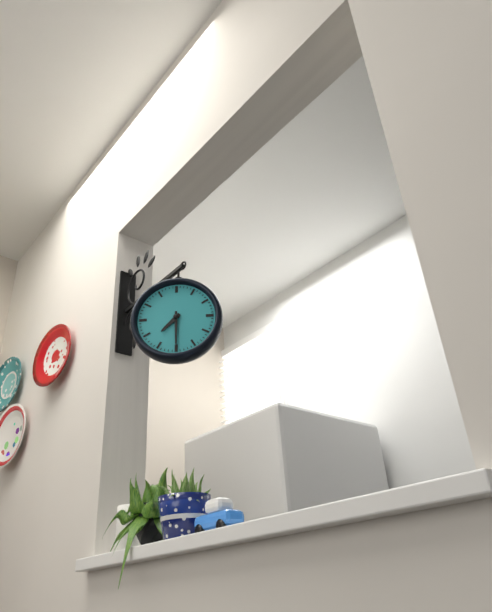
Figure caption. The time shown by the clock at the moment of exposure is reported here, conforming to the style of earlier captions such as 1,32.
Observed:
7,30
